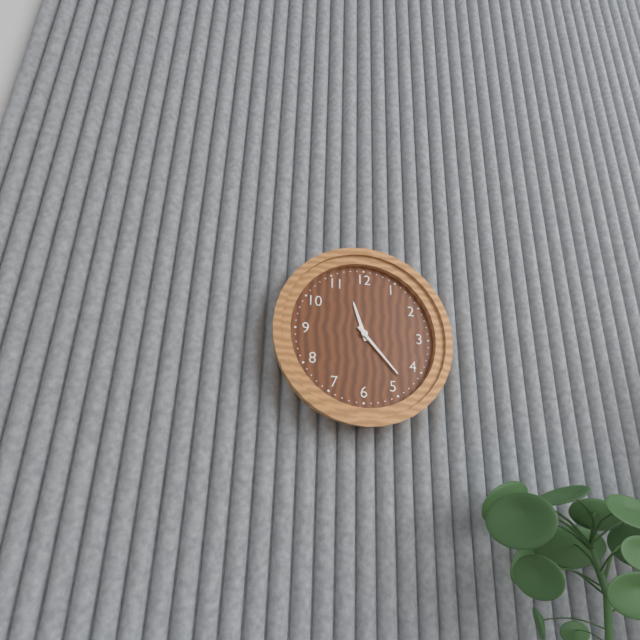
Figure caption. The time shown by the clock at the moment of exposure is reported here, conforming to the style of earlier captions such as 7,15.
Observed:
11,23
